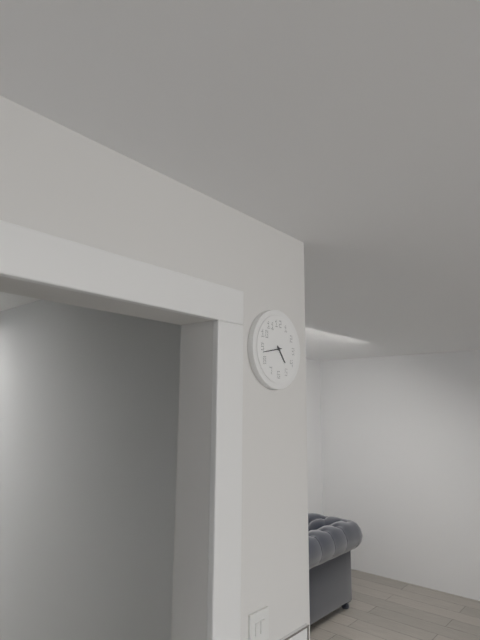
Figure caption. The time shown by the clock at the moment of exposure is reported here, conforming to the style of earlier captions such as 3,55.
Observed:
4,43
